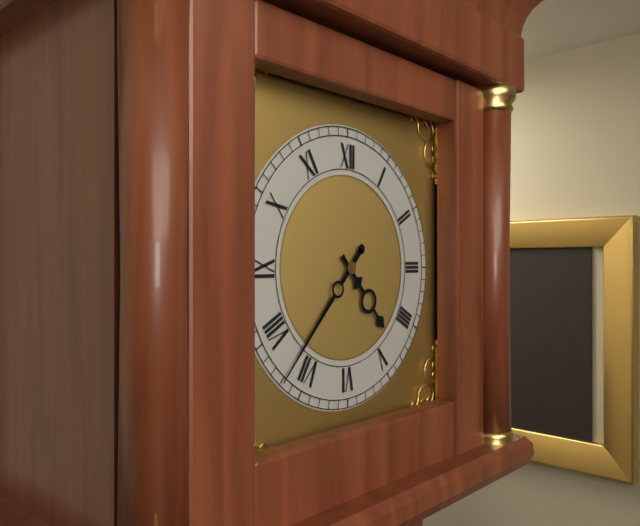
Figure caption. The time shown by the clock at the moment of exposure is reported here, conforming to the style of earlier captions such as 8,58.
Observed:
4,37
